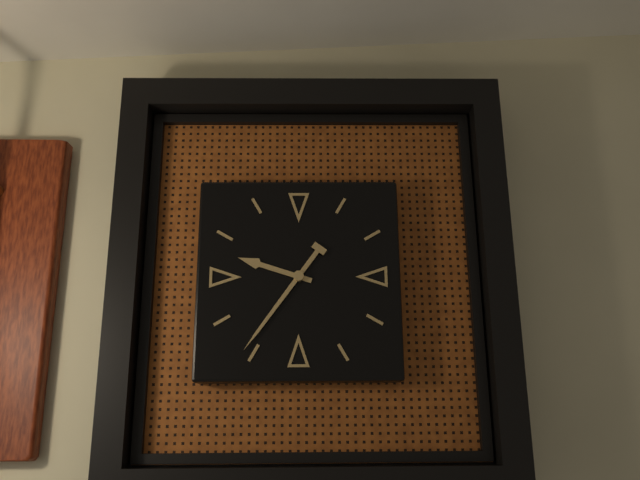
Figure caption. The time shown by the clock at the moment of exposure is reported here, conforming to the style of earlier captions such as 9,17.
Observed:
9,36
